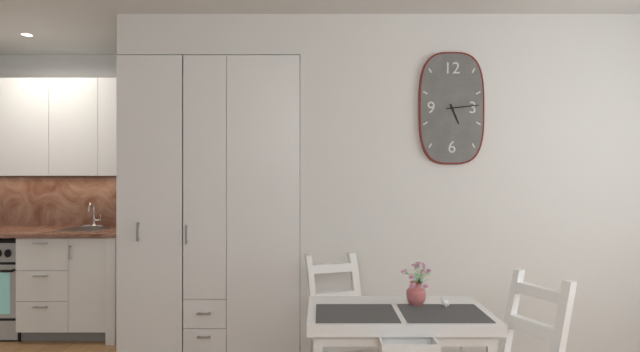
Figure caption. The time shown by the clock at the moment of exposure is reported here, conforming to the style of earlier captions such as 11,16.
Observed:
5,14
